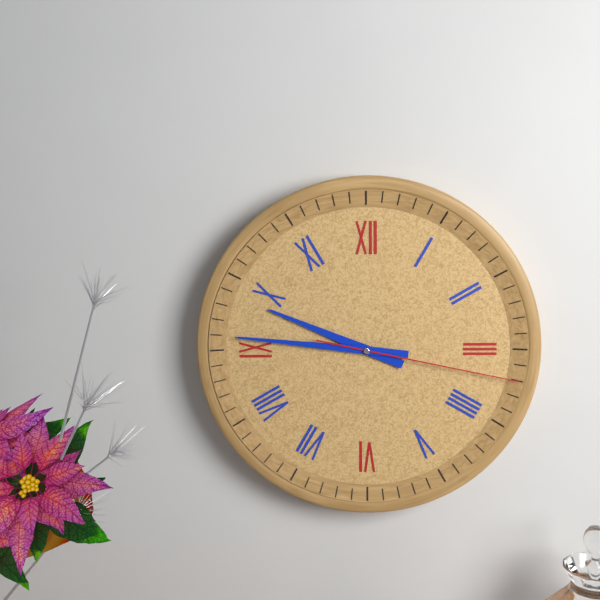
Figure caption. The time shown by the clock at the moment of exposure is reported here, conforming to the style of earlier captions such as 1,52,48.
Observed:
9,46,17
